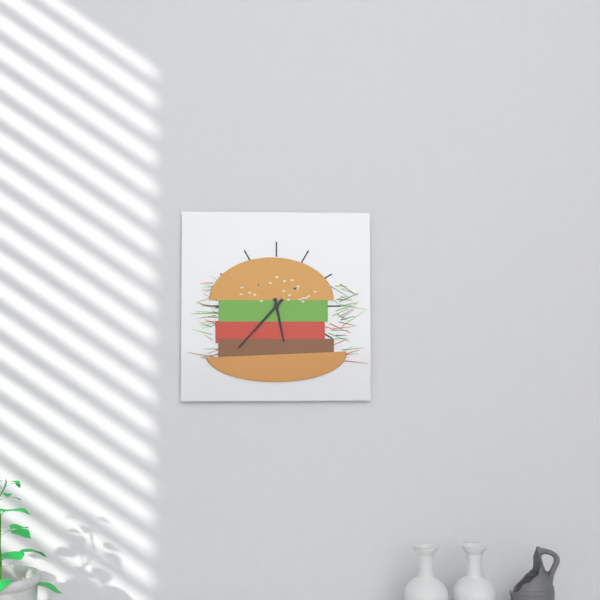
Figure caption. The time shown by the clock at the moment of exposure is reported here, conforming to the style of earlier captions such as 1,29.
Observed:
5,37
